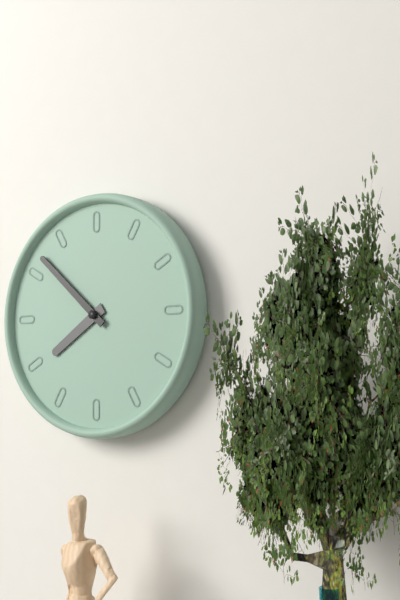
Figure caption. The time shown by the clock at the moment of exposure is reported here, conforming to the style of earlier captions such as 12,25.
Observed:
7,52
